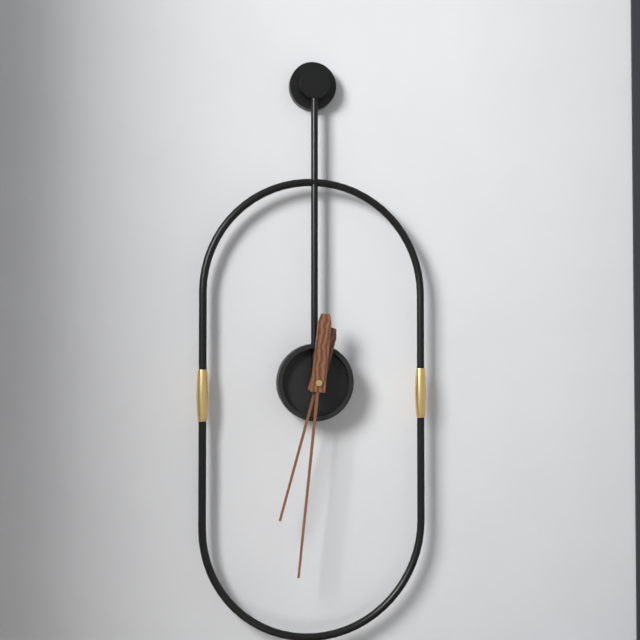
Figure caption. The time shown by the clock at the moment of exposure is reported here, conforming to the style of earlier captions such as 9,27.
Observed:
6,31
